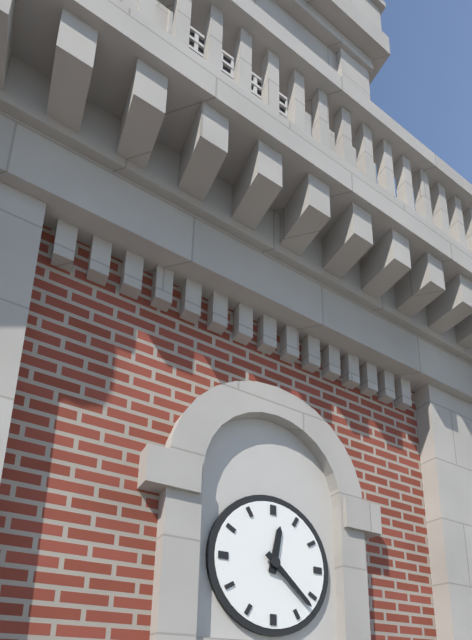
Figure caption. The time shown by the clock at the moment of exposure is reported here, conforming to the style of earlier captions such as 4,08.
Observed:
12,22
